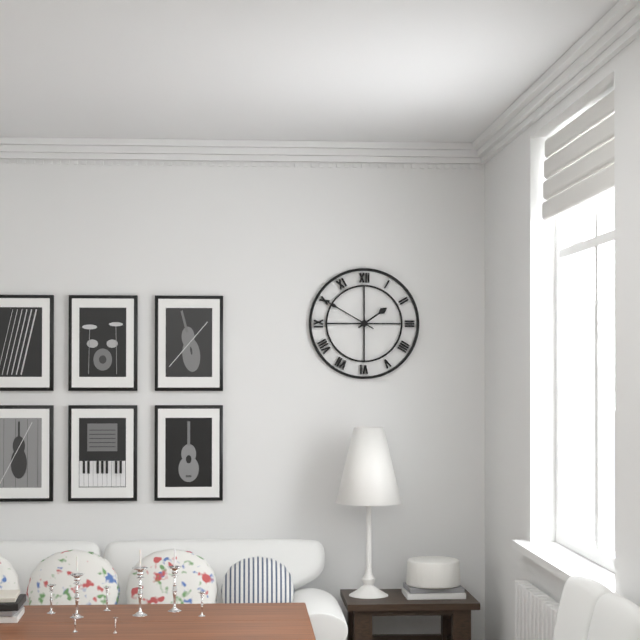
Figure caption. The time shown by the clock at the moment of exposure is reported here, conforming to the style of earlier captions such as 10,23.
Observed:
1,50
